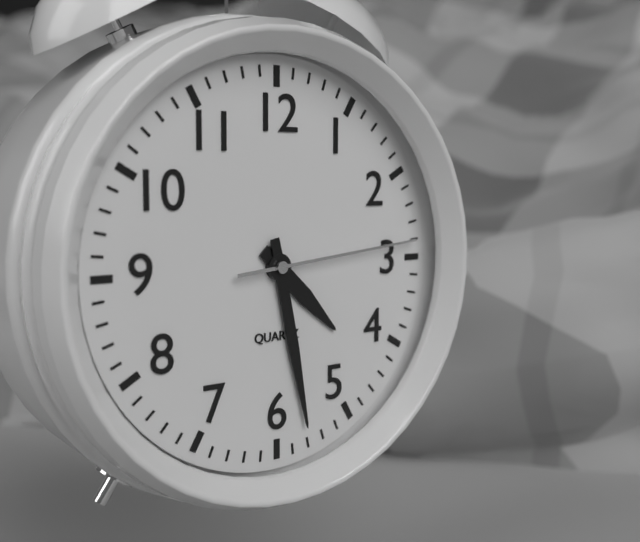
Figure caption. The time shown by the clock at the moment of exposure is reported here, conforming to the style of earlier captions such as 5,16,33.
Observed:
4,28,14
